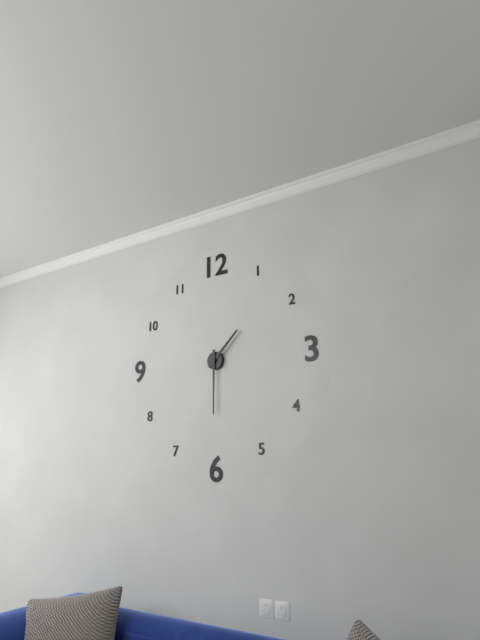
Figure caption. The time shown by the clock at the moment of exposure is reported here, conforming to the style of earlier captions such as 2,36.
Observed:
1,30
